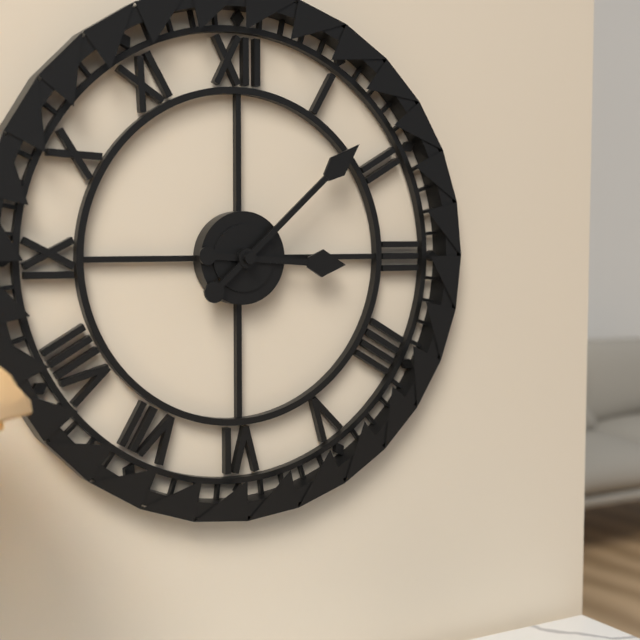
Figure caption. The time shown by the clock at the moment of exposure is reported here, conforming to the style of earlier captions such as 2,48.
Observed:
3,08
